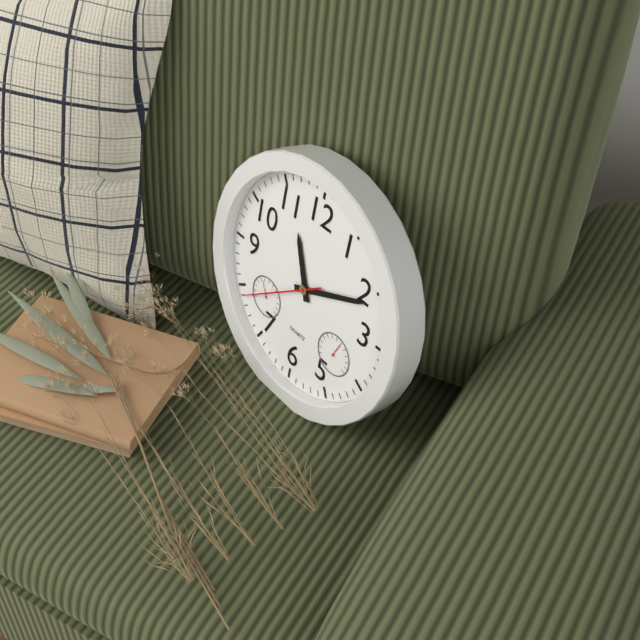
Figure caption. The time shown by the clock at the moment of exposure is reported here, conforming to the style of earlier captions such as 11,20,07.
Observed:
11,11,39
